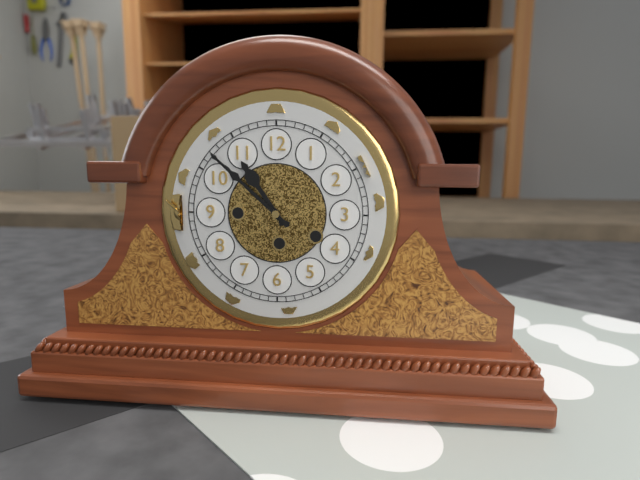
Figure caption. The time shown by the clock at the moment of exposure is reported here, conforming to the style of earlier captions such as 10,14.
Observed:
10,52
